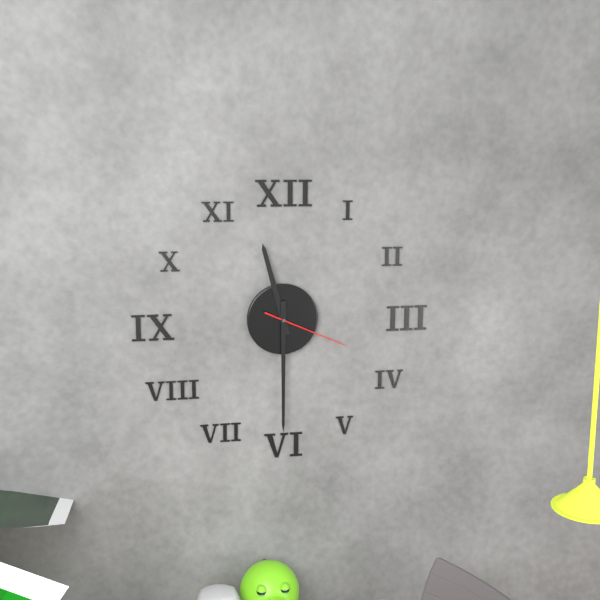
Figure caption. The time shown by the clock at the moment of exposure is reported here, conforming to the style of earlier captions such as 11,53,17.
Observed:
11,30,19
